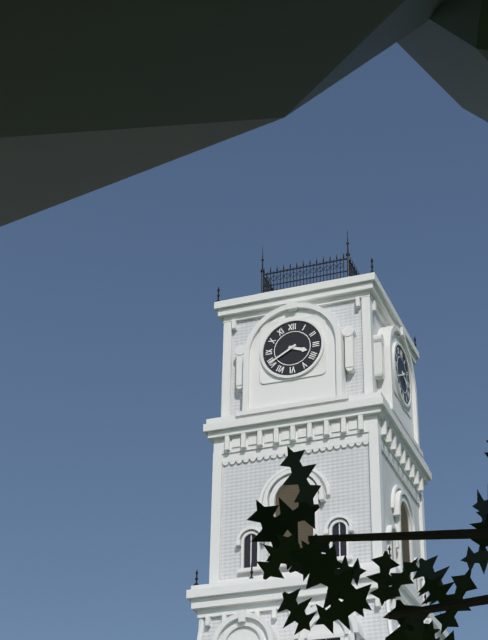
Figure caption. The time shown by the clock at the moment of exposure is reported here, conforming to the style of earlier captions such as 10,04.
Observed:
3,40
